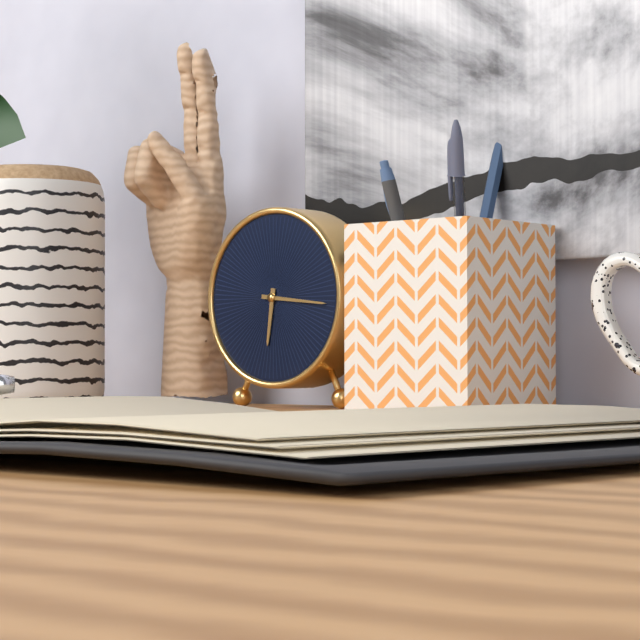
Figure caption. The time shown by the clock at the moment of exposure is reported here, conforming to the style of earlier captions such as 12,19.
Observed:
6,16
